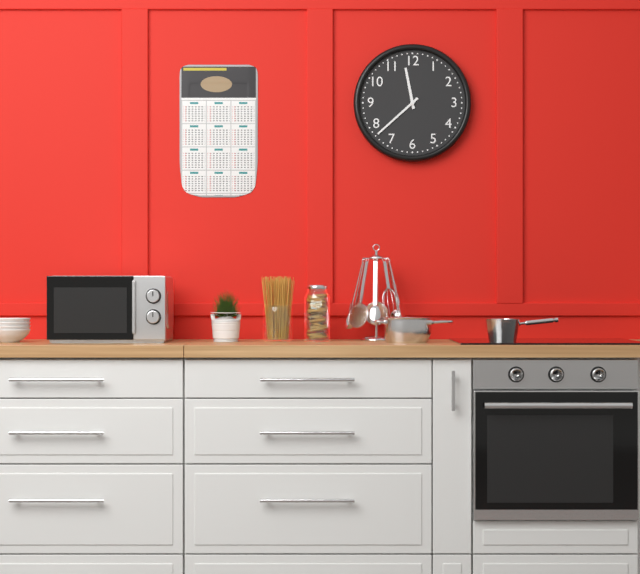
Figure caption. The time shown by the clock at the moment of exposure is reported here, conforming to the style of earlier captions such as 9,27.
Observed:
11,38
